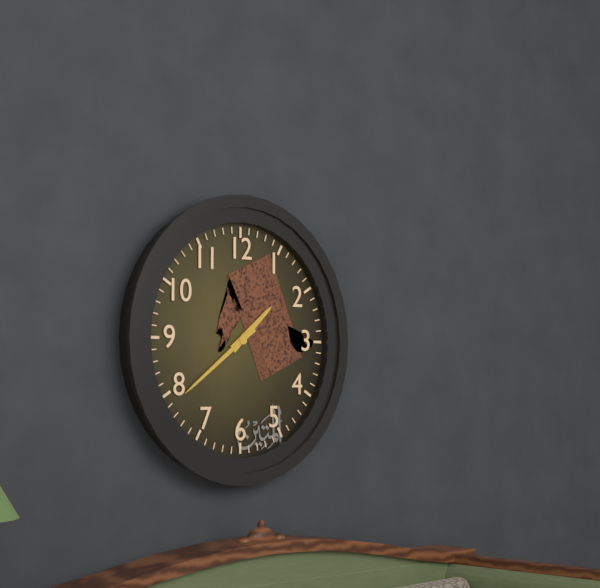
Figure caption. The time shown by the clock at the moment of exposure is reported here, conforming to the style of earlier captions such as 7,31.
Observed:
1,39
